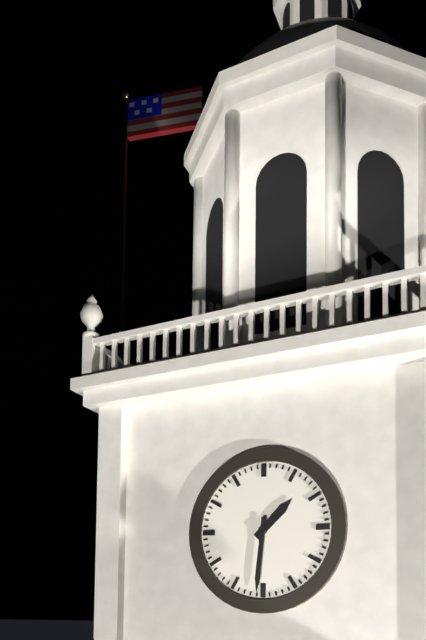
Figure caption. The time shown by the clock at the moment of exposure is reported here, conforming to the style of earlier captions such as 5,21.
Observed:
1,31
